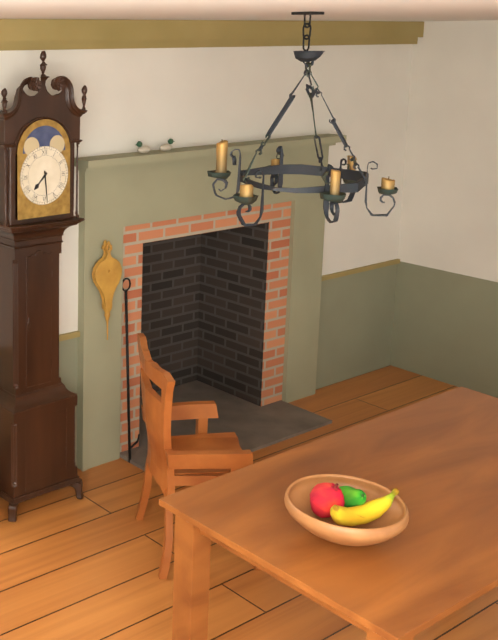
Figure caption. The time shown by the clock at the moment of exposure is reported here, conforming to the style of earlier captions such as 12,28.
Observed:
7,29
